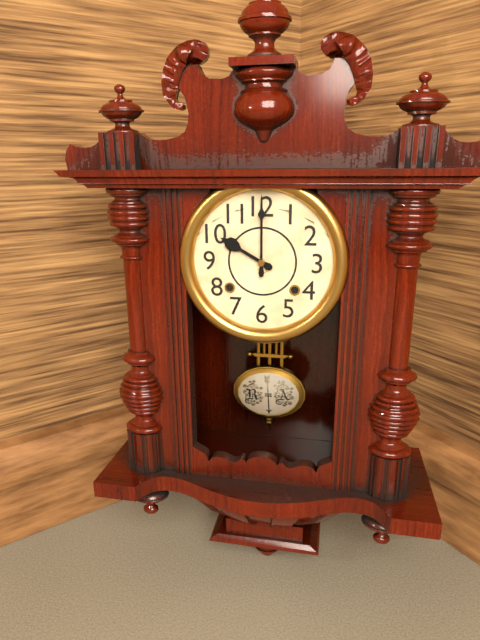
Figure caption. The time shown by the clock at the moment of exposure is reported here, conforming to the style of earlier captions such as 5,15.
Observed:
10,00
